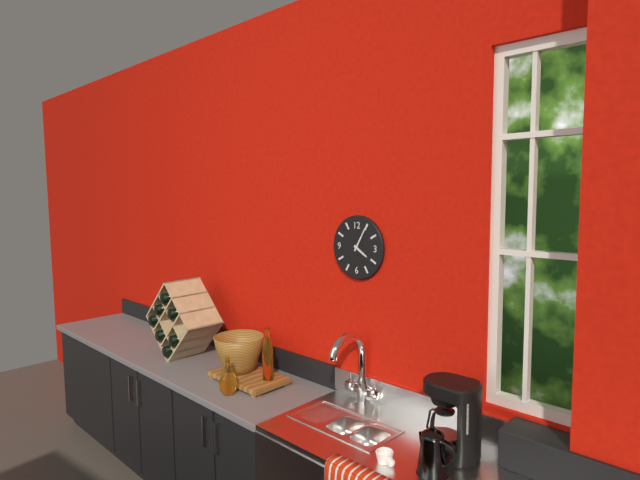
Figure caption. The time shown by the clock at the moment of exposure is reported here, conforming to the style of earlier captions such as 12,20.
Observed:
4,05
